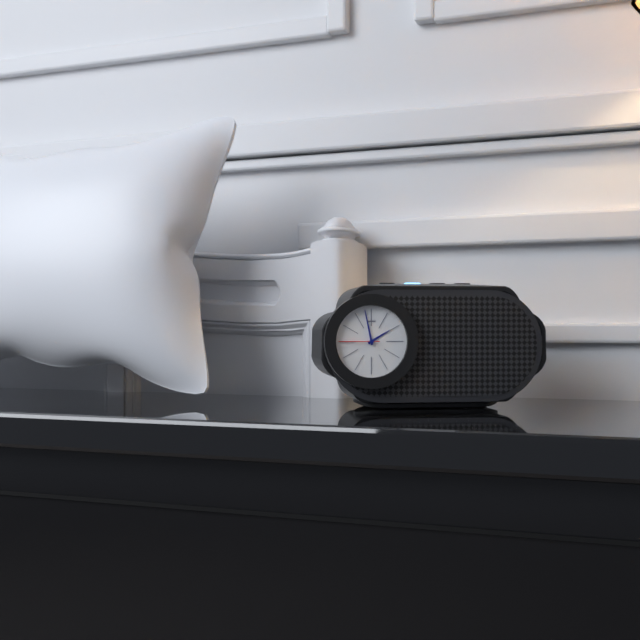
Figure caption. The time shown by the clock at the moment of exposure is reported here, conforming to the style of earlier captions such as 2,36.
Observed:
1,58
